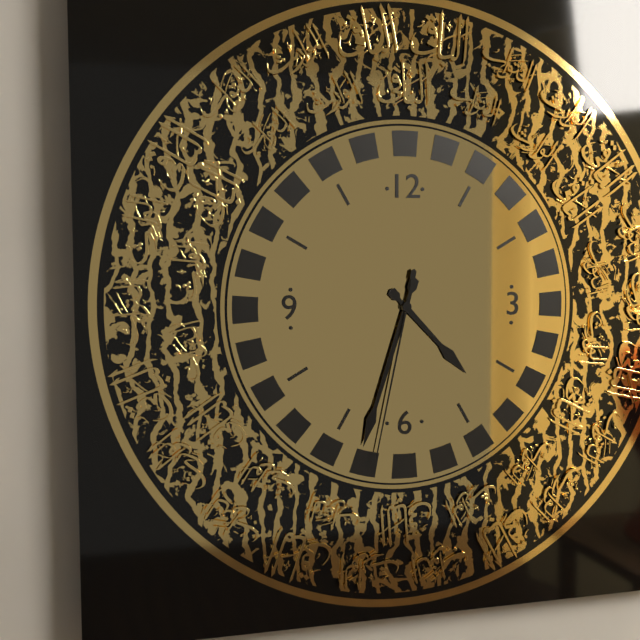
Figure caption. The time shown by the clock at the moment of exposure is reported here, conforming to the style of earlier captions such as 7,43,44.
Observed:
4,33,32
